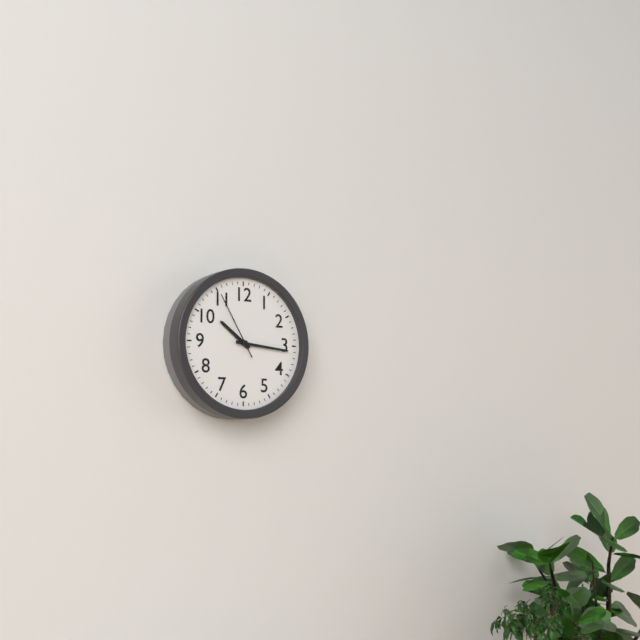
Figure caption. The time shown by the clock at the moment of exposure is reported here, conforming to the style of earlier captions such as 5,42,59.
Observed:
10,16,55
